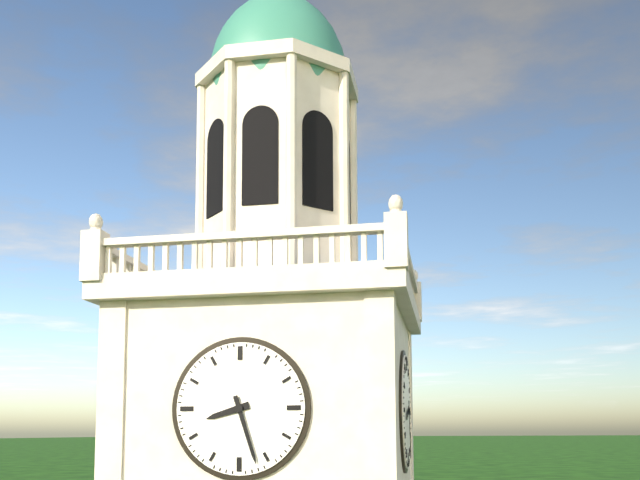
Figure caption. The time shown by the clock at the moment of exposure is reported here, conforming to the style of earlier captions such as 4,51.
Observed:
8,27
